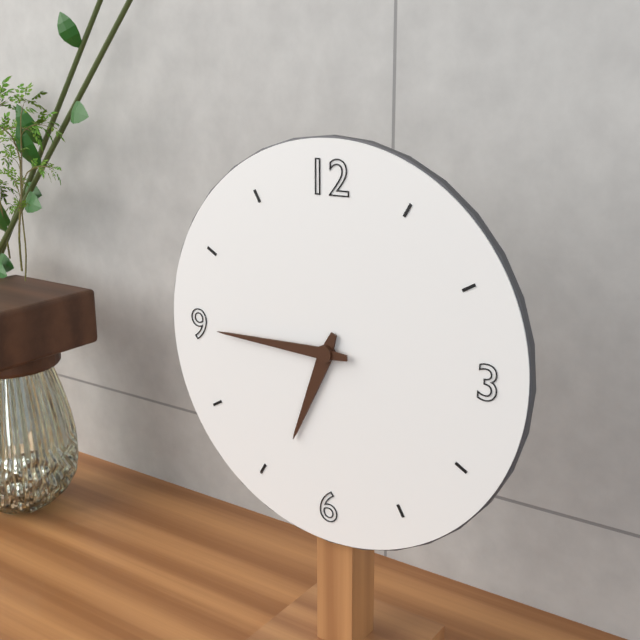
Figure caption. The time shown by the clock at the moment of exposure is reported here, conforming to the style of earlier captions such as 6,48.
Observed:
6,45
